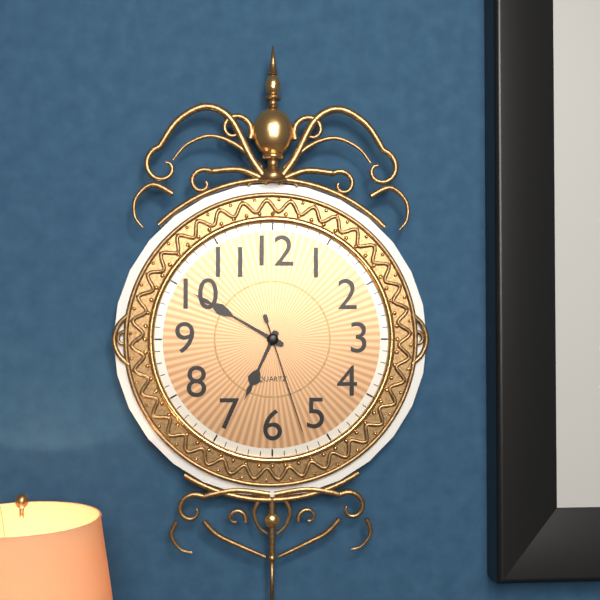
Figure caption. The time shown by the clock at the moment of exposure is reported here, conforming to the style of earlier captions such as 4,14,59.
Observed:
6,50,27
